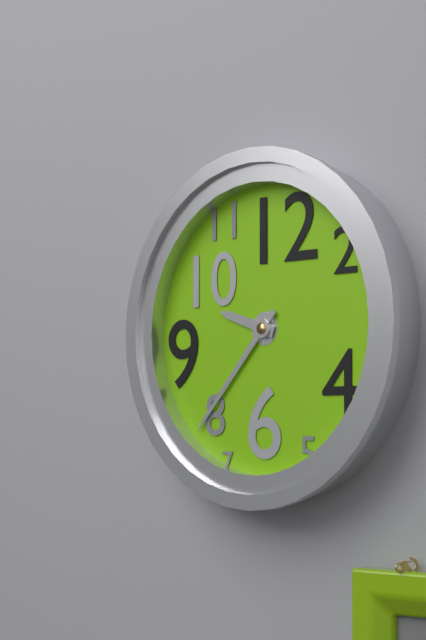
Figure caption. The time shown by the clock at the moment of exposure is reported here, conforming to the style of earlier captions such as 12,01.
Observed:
9,37
